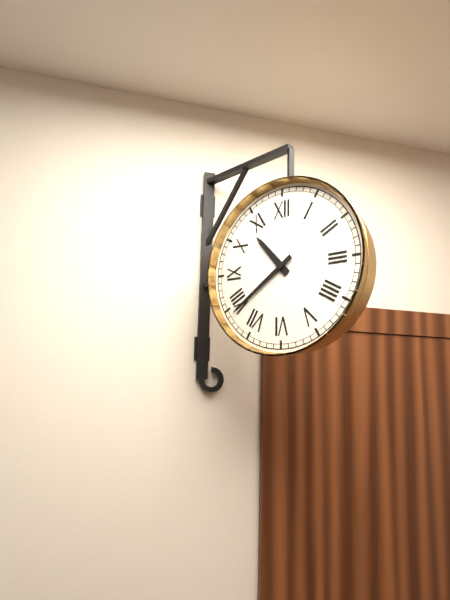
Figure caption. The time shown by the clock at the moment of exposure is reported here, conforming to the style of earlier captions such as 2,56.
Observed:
10,39
